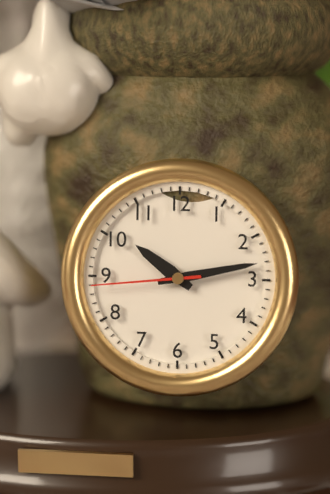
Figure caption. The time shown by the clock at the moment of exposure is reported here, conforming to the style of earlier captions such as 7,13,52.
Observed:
10,13,44
